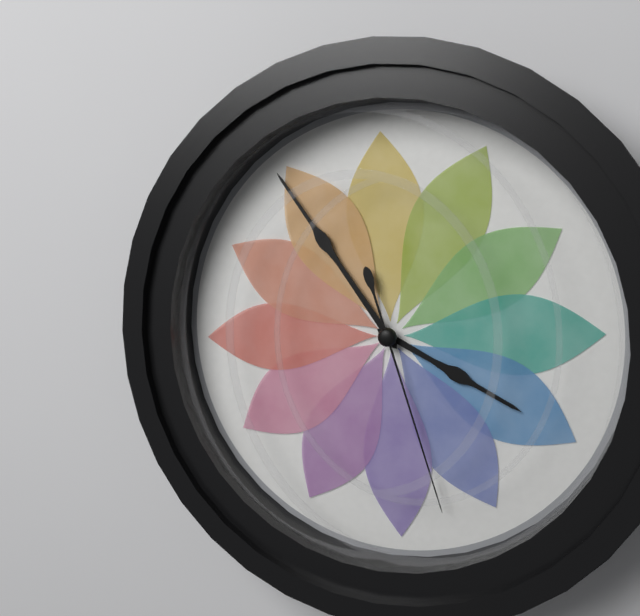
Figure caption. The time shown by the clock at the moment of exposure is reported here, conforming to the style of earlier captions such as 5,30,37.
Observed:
3,54,27
